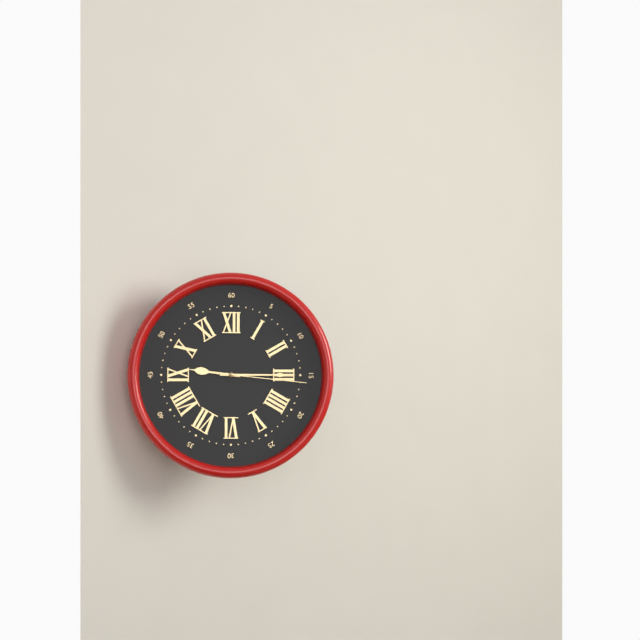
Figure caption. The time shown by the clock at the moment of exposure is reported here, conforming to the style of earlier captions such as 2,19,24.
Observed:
9,15,16
